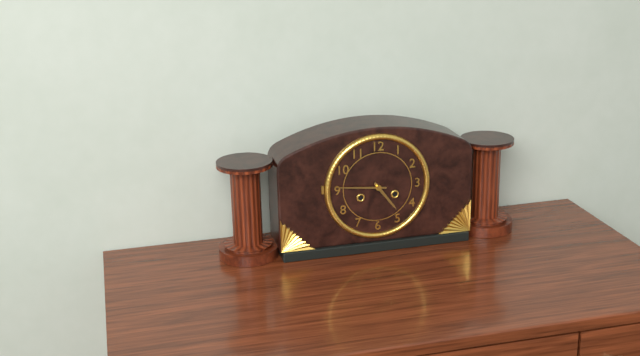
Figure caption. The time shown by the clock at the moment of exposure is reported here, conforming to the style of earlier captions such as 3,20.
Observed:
4,46
